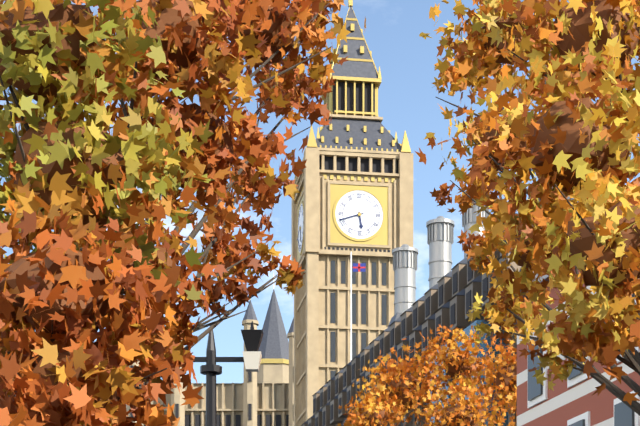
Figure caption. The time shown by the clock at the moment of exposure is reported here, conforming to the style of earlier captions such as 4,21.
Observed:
5,42
